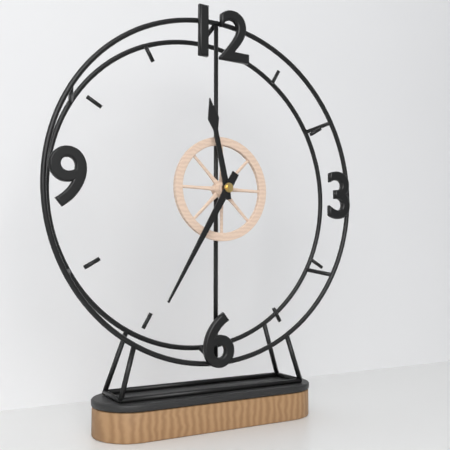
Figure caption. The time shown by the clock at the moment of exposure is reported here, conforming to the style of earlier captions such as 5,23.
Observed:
11,35
